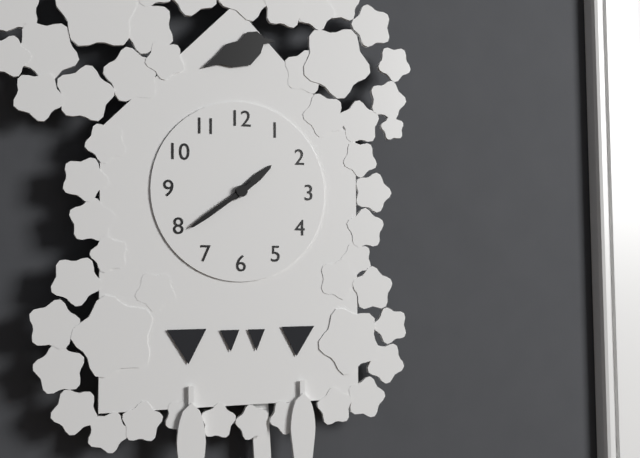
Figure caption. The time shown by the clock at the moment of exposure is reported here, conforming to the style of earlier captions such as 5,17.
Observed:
1,39
